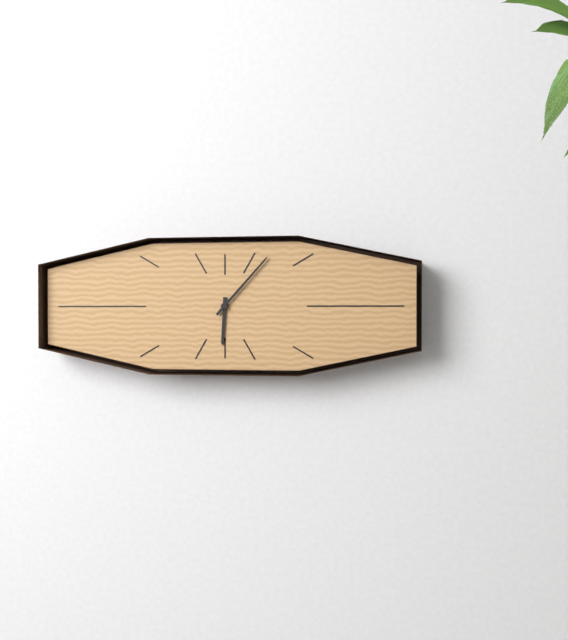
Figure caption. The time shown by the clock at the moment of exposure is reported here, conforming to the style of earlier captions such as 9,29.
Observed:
6,07
